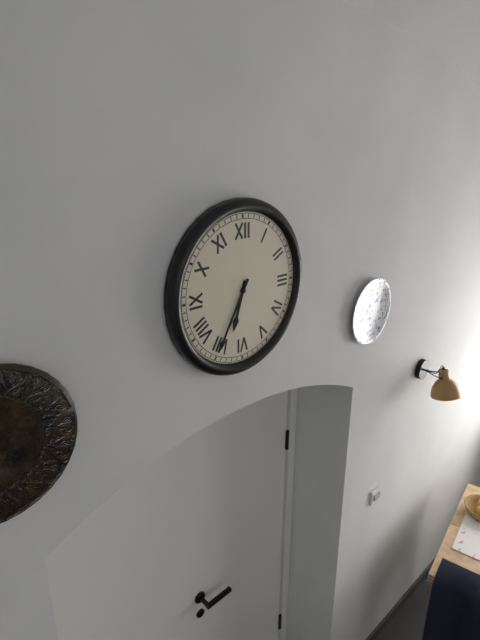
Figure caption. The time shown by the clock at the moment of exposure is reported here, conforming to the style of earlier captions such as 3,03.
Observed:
6,35
